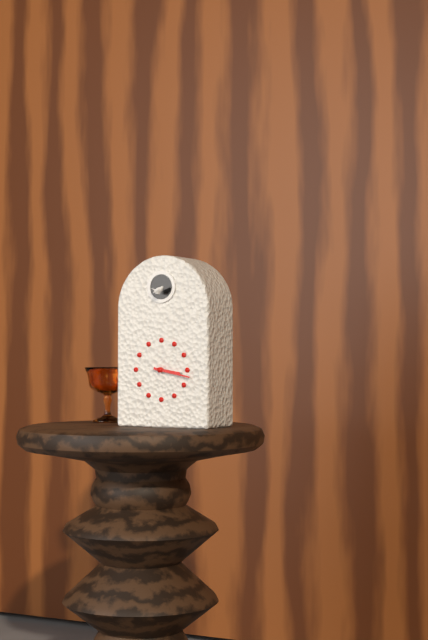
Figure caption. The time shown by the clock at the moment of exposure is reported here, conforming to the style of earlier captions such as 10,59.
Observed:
3,17
